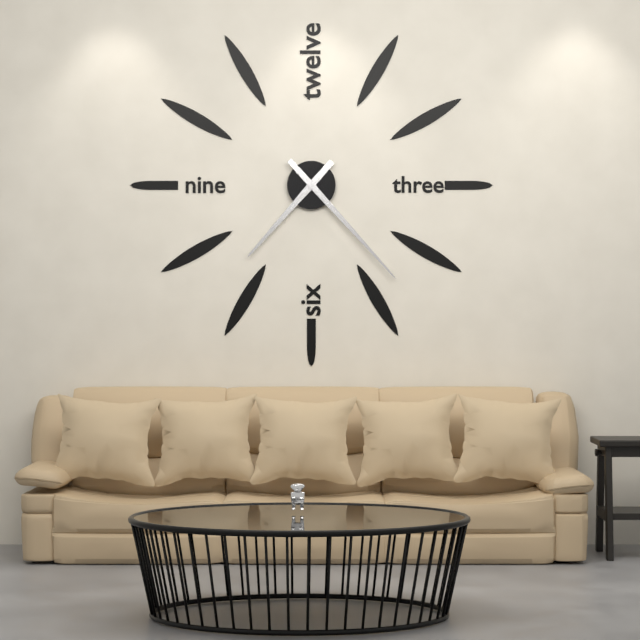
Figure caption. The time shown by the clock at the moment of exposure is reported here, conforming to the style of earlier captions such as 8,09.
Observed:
7,23
